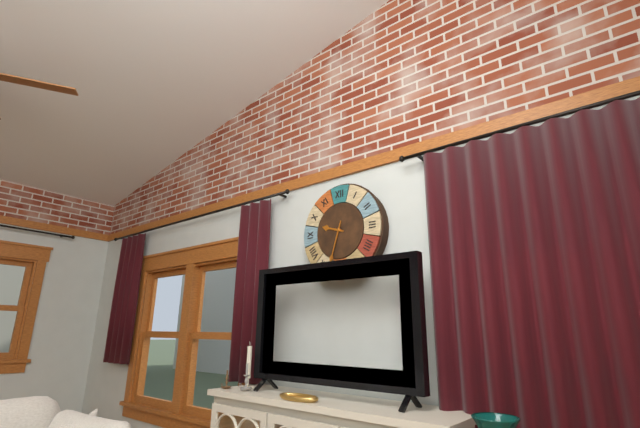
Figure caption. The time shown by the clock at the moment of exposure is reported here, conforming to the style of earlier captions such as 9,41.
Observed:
9,33
